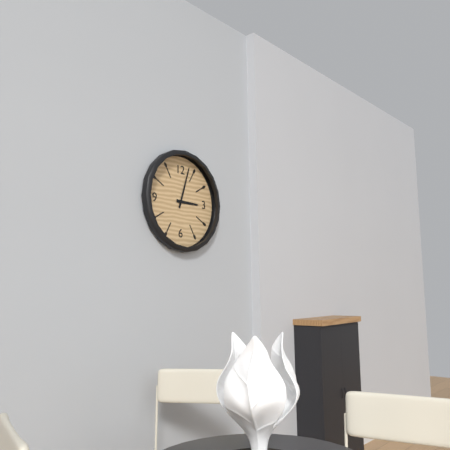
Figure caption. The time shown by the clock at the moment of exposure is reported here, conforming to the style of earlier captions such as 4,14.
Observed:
3,03
